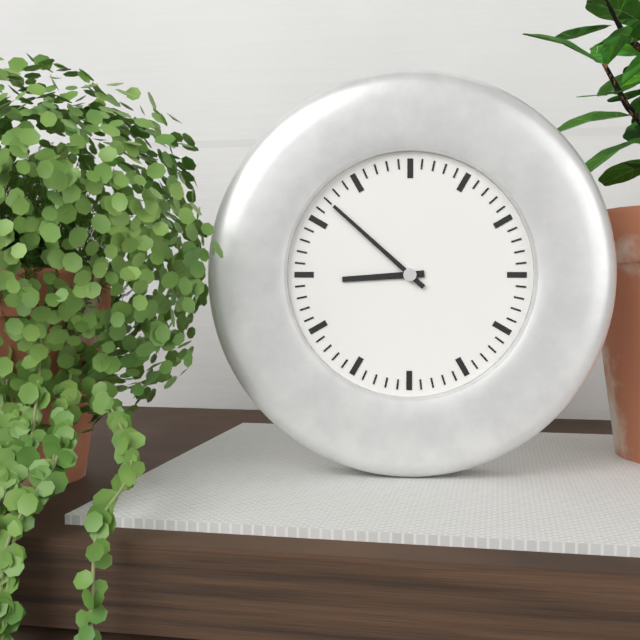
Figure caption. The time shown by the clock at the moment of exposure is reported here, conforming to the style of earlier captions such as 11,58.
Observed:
8,52
